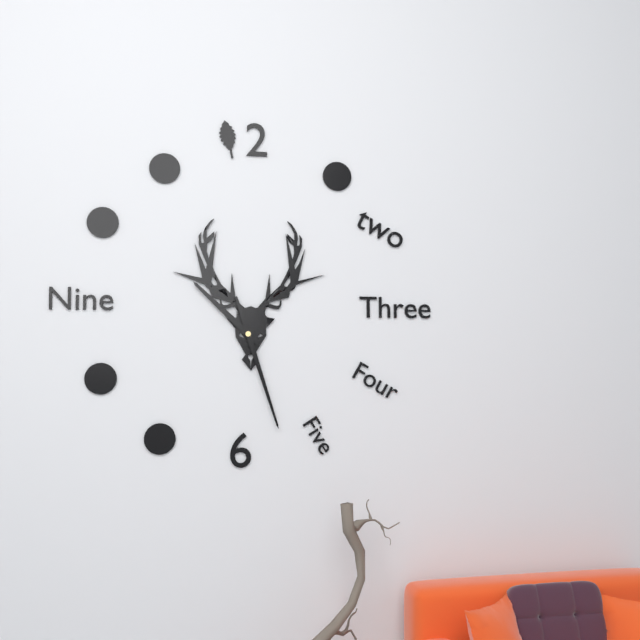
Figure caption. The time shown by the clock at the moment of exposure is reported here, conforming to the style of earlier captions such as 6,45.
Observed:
10,27
